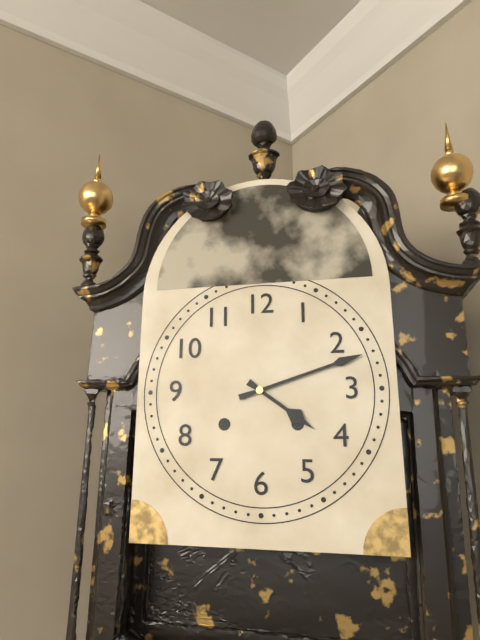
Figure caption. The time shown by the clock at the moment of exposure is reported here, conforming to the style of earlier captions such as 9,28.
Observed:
4,12
